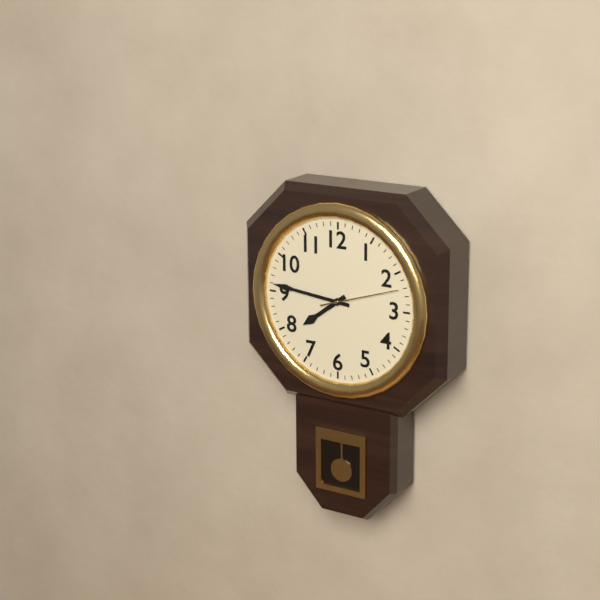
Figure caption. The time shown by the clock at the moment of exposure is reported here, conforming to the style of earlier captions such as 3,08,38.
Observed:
7,46,12
